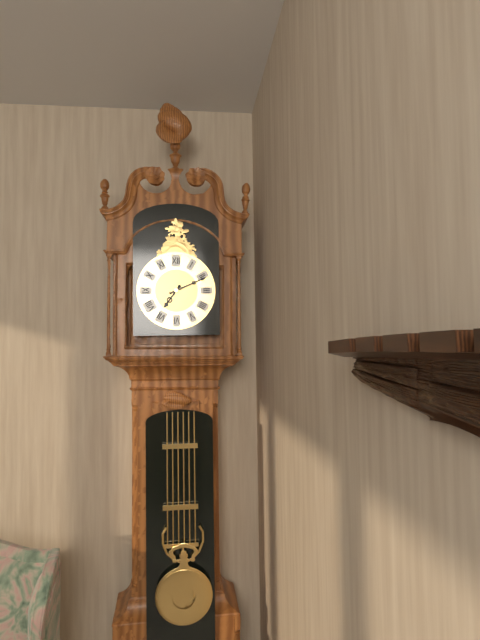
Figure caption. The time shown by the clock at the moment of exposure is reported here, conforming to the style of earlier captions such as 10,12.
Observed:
7,11
